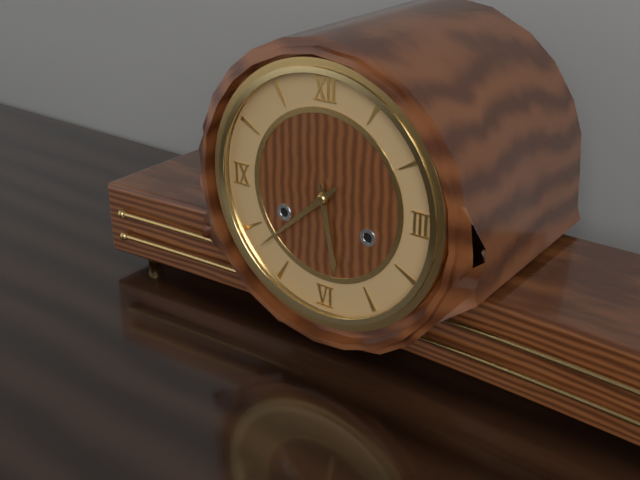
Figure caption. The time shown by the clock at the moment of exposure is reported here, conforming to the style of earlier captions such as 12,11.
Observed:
5,38
